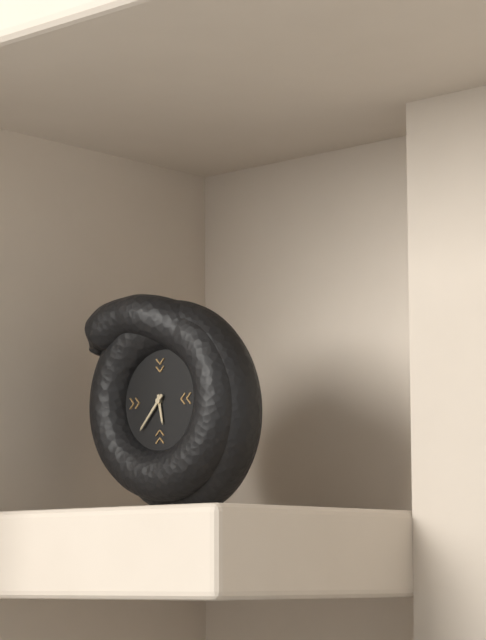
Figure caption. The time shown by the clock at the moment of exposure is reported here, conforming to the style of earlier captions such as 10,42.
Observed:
5,37
